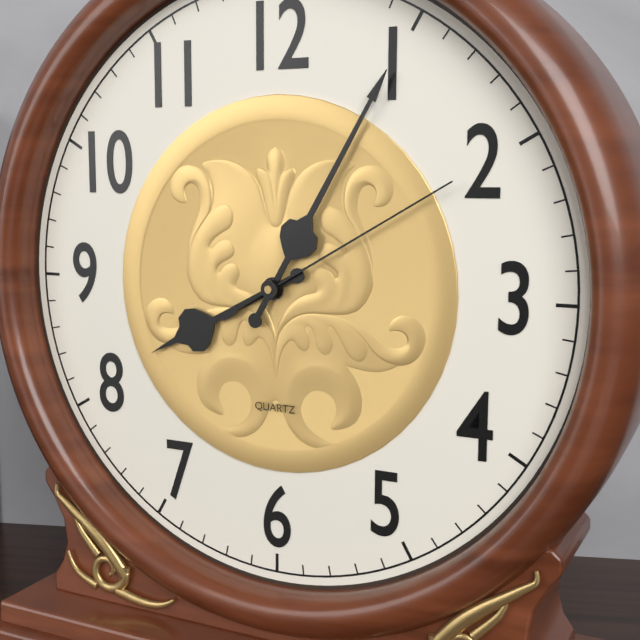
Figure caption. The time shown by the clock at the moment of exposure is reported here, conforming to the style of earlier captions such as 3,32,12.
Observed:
8,05,10
